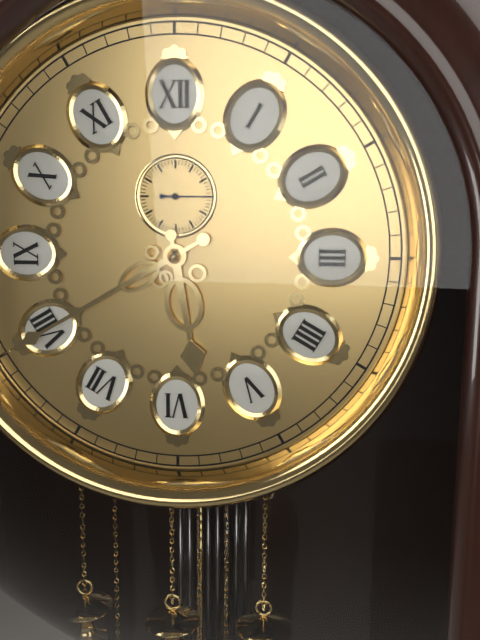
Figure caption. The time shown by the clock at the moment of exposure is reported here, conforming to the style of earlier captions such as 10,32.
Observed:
5,40
